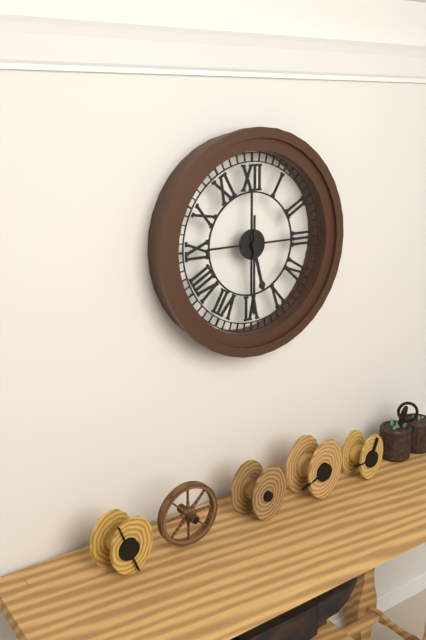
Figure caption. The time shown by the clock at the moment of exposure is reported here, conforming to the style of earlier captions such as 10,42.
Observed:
5,30
